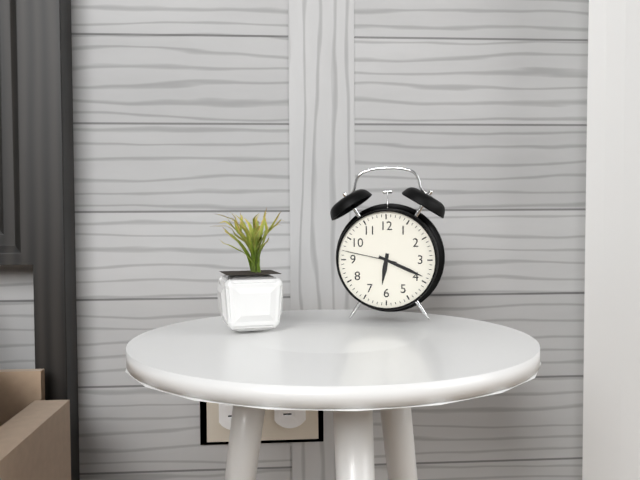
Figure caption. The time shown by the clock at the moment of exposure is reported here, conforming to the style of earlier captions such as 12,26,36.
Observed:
6,19,47
